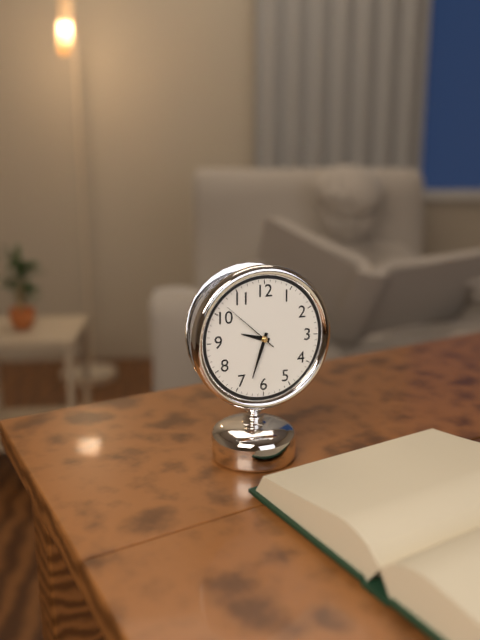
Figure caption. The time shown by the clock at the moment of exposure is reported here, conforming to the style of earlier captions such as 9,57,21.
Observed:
9,33,52
